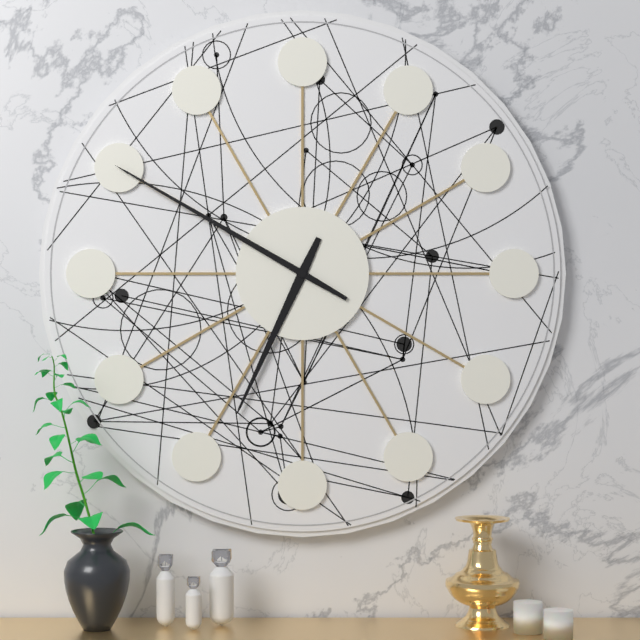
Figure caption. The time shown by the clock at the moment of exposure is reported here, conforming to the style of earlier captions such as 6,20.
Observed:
6,50
